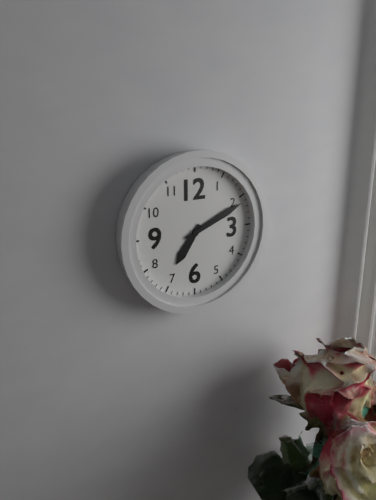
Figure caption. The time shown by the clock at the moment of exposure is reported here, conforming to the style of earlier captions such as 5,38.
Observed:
7,11
